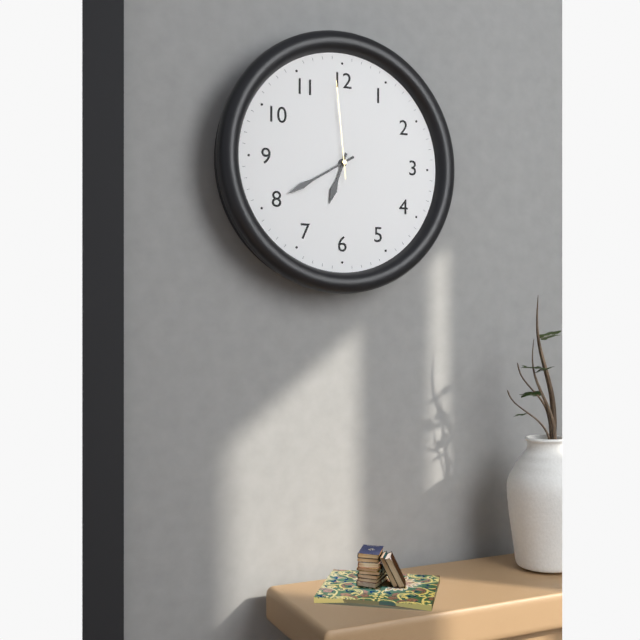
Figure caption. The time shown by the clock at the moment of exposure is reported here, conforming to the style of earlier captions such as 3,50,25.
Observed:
6,40,59
